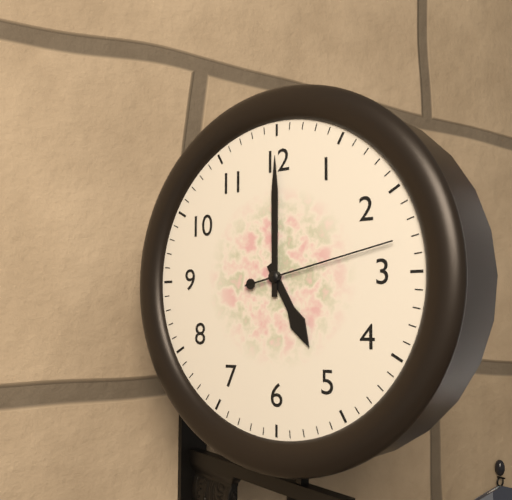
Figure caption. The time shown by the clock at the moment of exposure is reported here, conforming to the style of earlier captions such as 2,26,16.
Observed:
5,00,13
